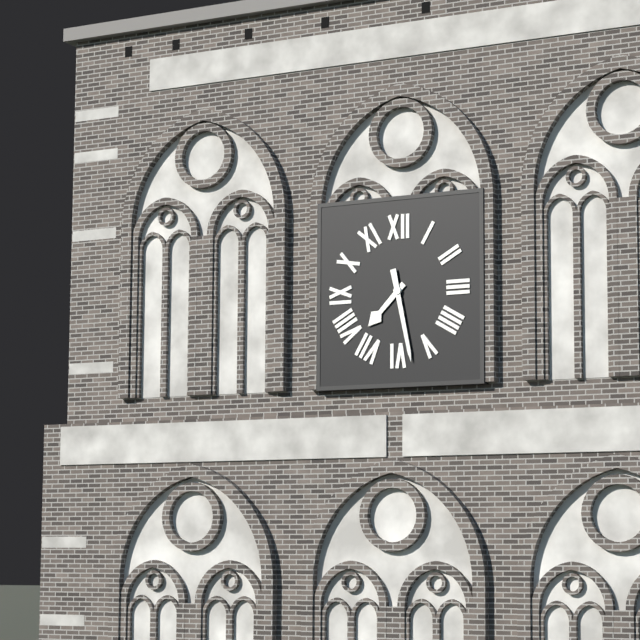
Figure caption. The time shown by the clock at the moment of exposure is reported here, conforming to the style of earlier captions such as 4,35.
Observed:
7,28
